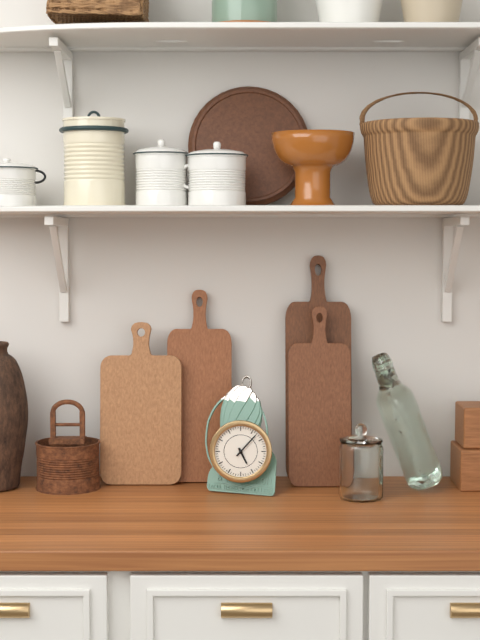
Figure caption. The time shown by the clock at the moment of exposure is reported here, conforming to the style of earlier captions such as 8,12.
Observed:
5,07
